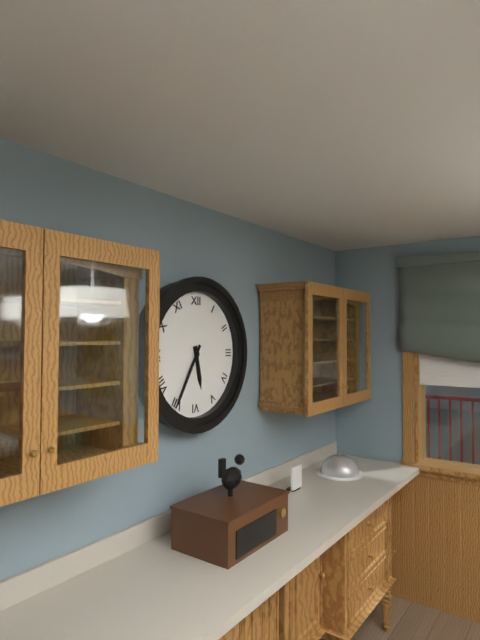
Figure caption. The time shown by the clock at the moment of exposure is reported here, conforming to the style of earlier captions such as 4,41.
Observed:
5,35
